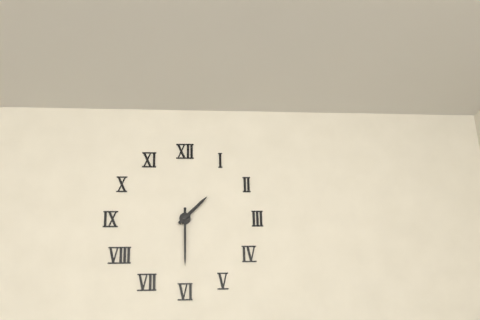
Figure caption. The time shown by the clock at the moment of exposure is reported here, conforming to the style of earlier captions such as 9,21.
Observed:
1,30
